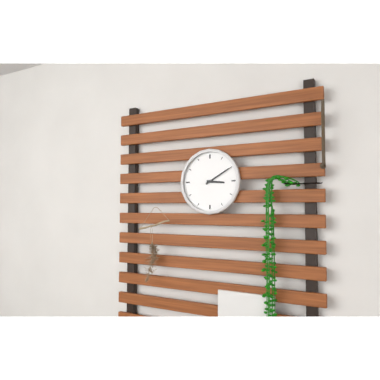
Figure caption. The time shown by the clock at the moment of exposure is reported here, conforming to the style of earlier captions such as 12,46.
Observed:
3,10
